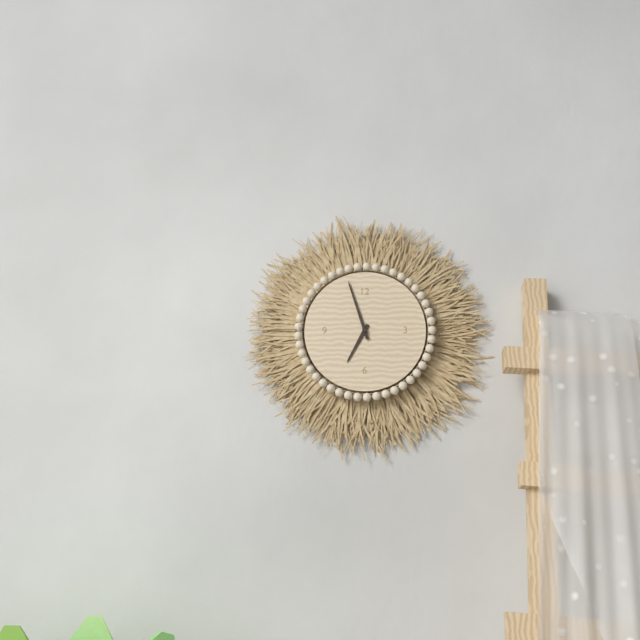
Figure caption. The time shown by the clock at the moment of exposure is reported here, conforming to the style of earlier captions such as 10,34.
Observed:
6,57
